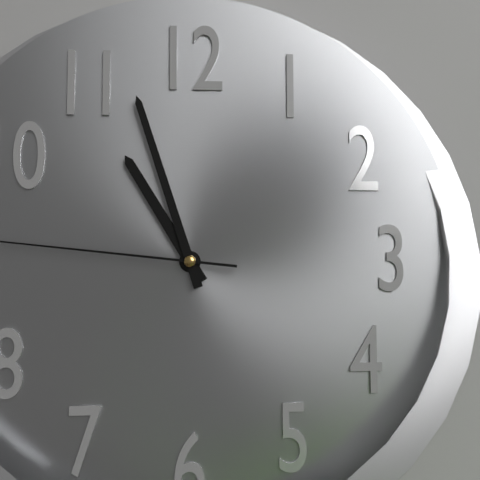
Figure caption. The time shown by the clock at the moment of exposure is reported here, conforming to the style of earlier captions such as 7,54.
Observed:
10,57
